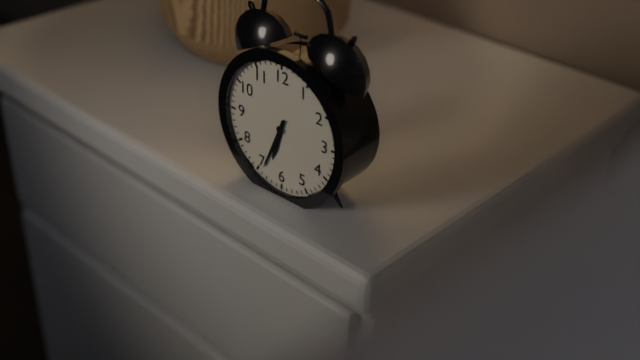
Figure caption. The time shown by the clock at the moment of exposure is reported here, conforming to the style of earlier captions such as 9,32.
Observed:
6,34
